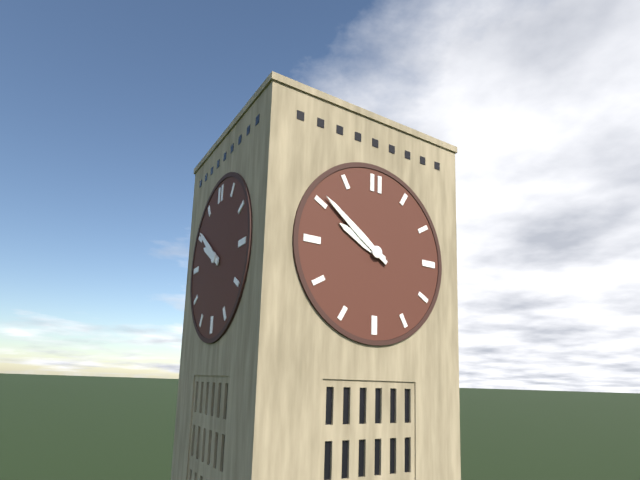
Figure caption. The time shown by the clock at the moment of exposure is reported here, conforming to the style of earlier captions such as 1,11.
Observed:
9,51
